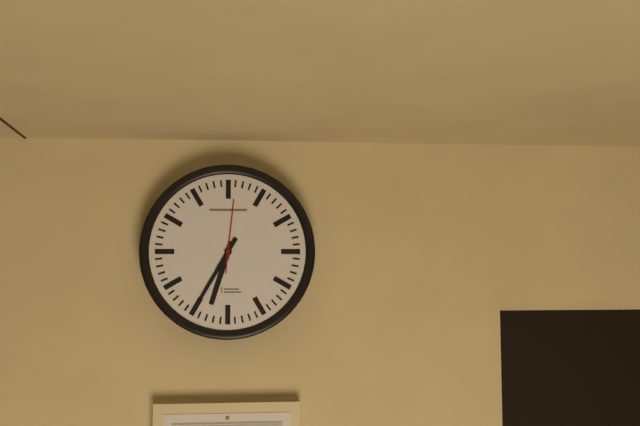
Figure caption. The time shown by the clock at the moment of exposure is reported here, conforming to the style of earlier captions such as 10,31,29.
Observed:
6,35,01
